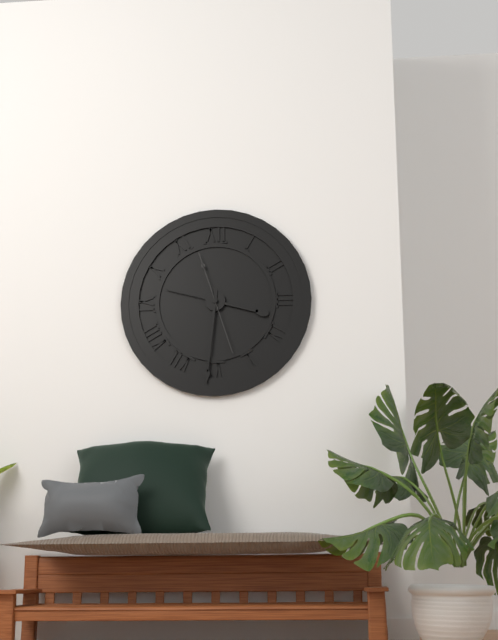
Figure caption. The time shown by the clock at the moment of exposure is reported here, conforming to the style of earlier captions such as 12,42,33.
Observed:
3,31,27
